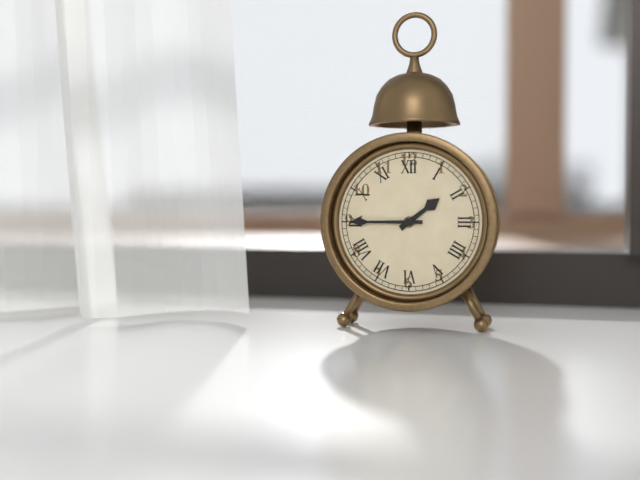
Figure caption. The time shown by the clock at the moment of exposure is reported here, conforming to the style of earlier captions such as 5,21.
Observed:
1,45
